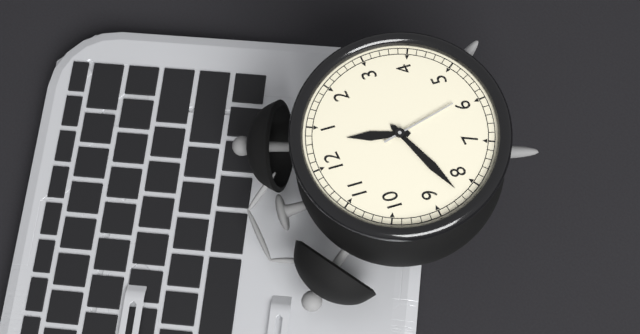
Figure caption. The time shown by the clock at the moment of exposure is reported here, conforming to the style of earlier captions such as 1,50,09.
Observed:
12,42,29
